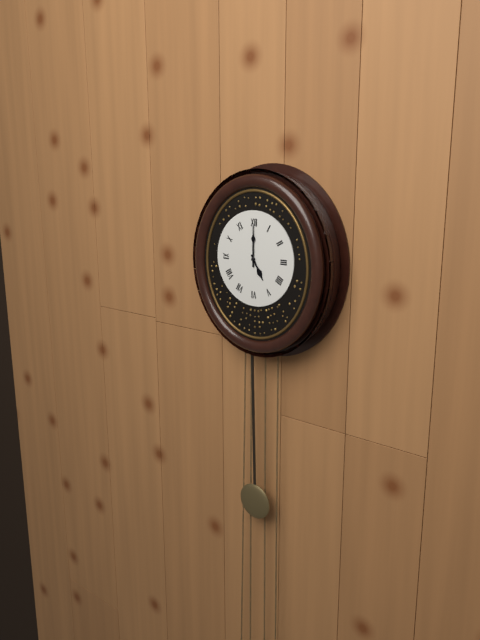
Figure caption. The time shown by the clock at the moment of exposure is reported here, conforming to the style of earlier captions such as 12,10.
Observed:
5,00
